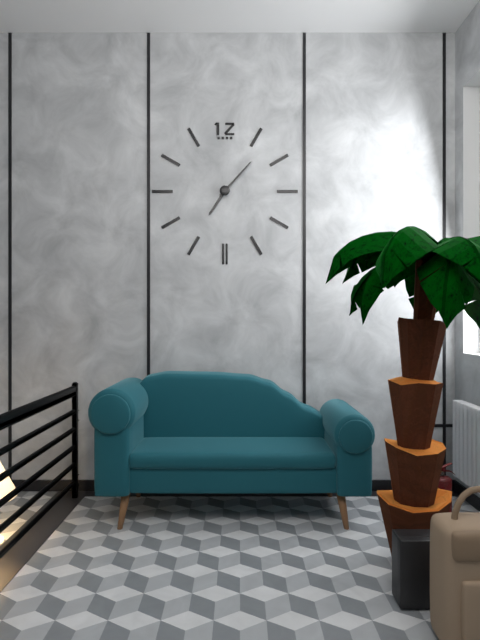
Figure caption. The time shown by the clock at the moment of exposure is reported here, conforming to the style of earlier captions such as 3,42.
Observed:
7,07
